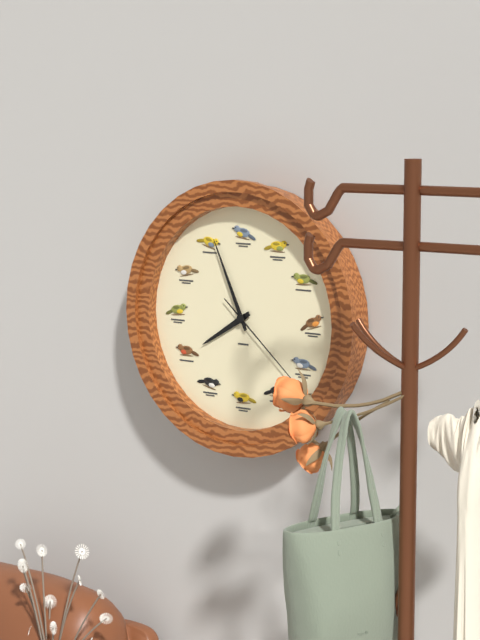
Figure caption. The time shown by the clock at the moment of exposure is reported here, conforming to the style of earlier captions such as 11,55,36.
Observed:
7,56,22
